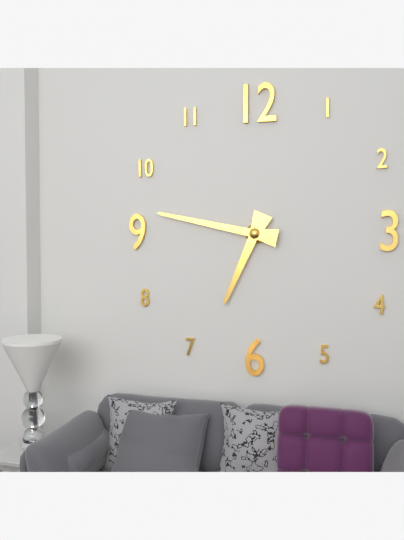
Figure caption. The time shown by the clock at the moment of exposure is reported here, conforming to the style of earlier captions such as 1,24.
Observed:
6,47
